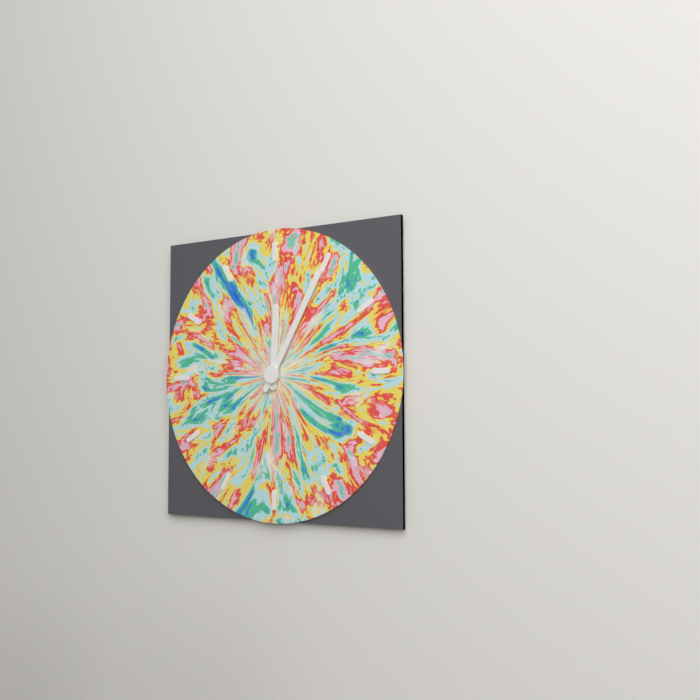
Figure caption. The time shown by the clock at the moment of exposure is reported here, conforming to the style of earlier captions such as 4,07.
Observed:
12,05
